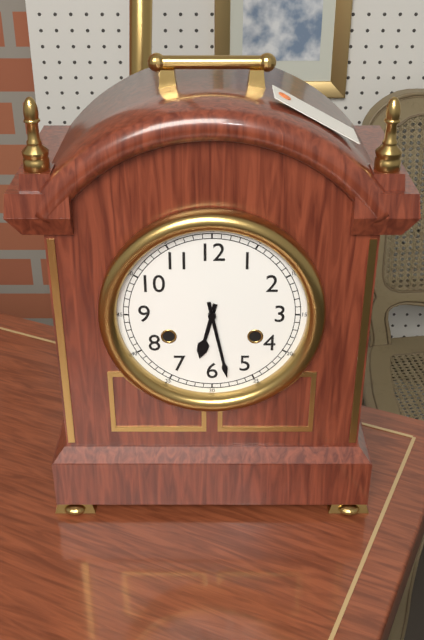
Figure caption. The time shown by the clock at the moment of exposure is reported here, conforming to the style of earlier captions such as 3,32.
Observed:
6,28
